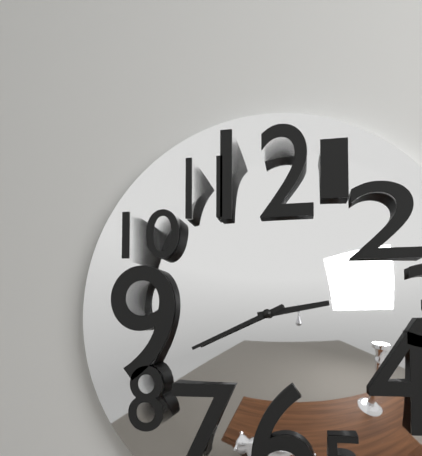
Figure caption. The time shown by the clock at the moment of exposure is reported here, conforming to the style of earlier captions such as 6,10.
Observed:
2,41
